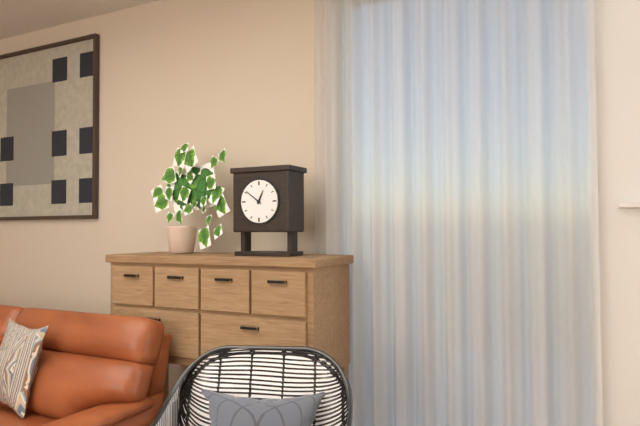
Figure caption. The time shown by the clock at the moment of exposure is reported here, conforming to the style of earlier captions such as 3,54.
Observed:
12,51
